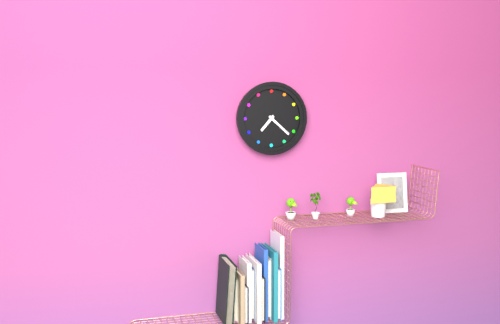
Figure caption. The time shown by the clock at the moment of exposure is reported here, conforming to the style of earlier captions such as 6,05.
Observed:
7,22
